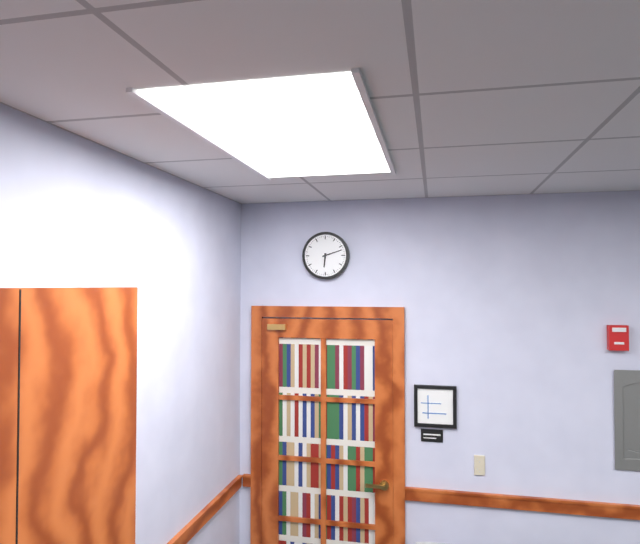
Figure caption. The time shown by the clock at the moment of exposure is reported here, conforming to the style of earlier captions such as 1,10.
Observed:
6,12
